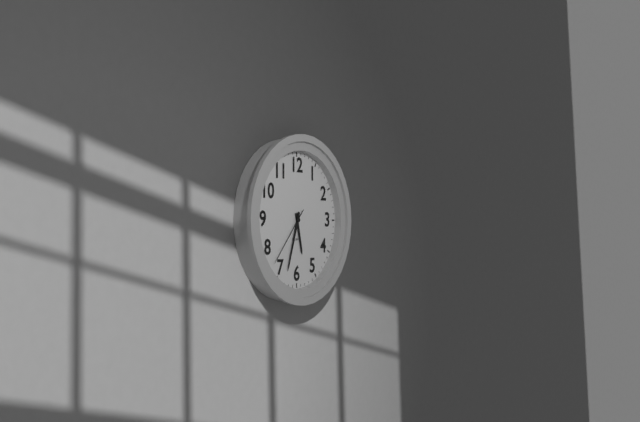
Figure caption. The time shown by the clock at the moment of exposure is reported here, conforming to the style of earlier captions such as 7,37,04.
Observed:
5,33,37
